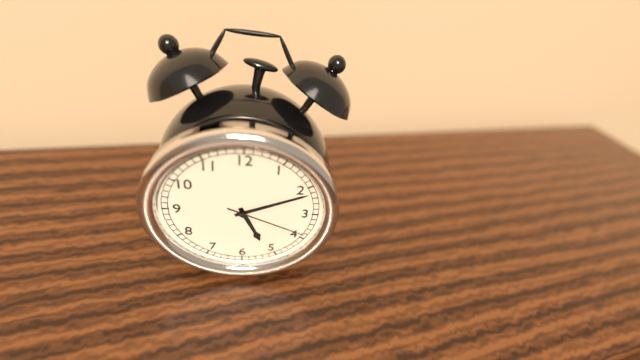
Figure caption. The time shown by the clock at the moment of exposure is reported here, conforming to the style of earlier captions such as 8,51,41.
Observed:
5,11,19
